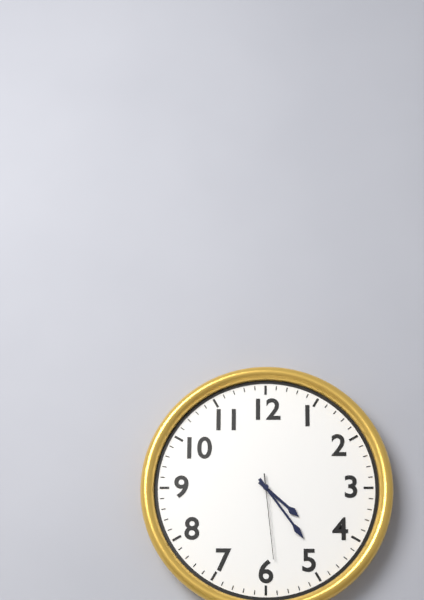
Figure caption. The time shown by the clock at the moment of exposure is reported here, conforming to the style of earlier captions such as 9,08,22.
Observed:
4,24,29
